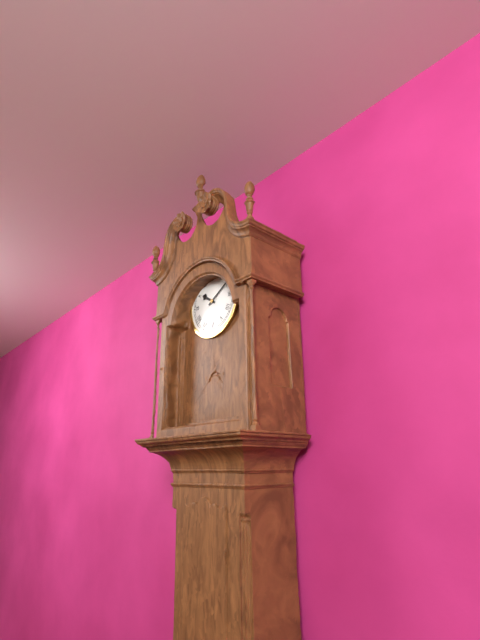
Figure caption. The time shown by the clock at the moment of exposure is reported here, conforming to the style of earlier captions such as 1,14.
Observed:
10,10
